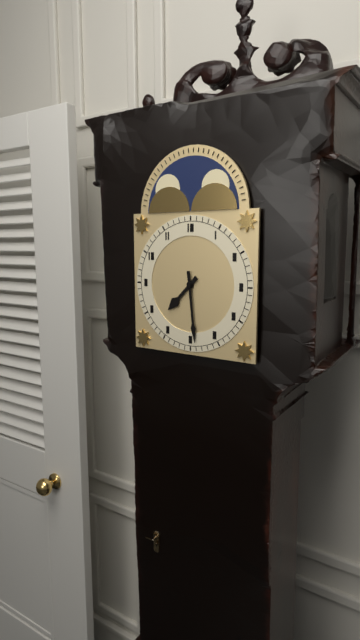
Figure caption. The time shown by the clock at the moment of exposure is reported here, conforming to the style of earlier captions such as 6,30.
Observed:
7,29
